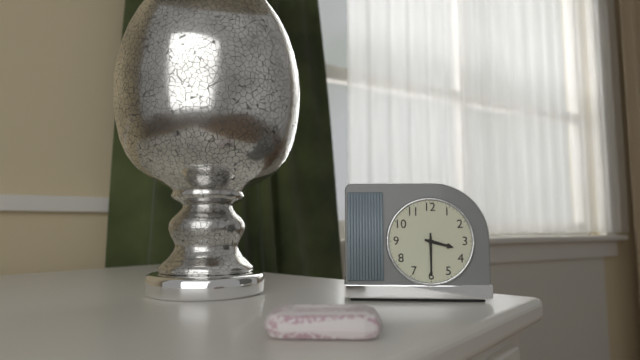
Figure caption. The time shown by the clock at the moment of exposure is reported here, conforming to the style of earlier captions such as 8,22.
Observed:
3,30
